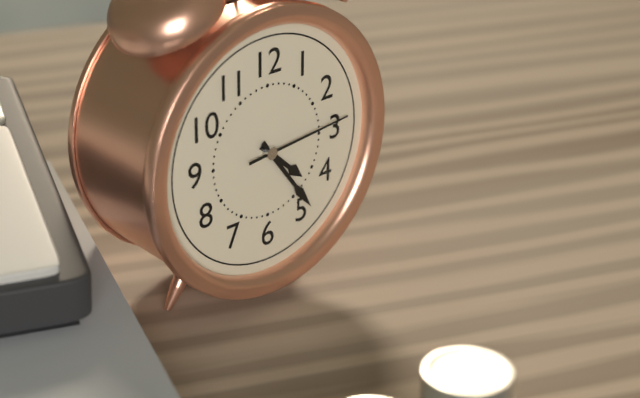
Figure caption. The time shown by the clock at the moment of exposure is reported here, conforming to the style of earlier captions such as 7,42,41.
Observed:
4,24,14
